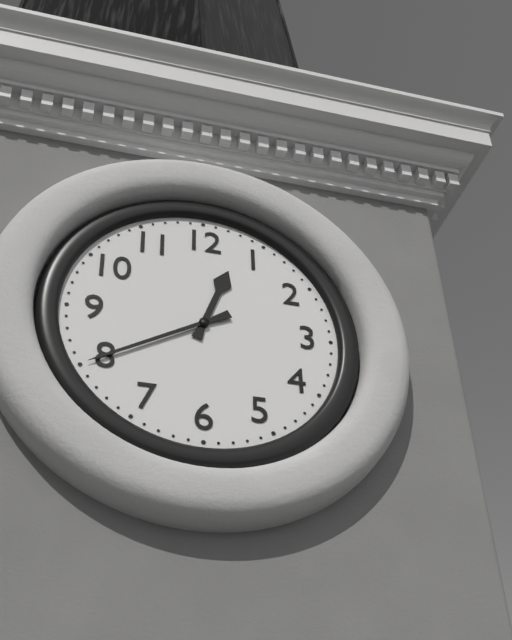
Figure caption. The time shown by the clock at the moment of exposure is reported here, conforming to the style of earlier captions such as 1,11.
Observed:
12,40
